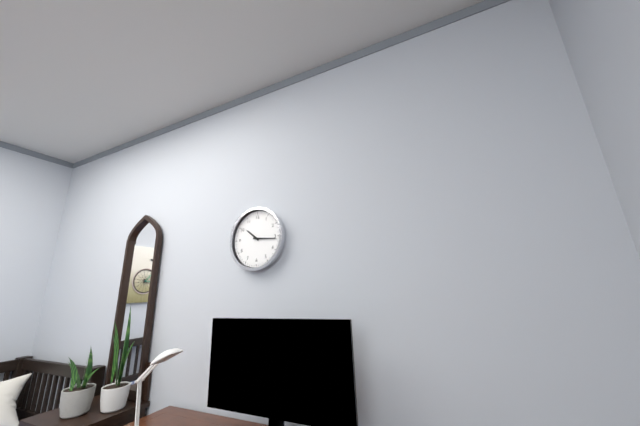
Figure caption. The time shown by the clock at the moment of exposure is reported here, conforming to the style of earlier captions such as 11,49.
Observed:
10,16
